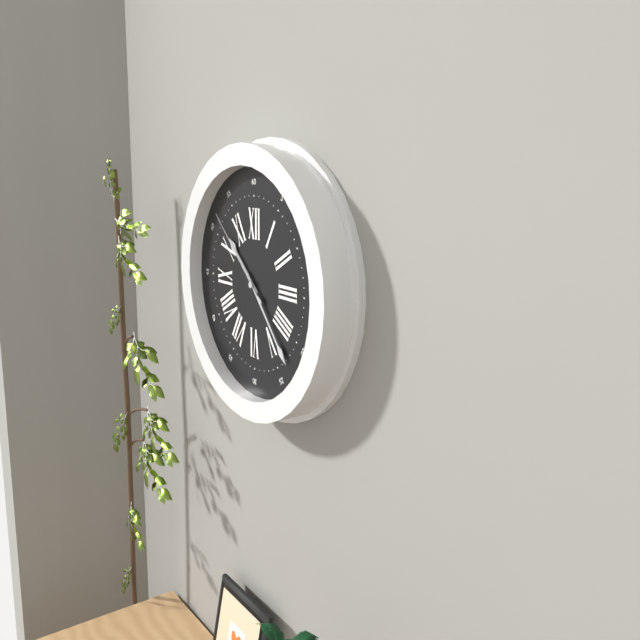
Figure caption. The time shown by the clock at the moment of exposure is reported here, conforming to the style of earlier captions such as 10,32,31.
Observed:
10,23,52
